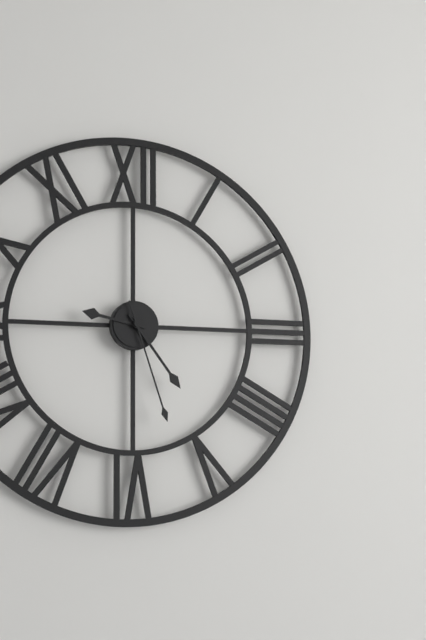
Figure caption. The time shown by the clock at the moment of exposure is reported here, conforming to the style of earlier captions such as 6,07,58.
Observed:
9,24,27
